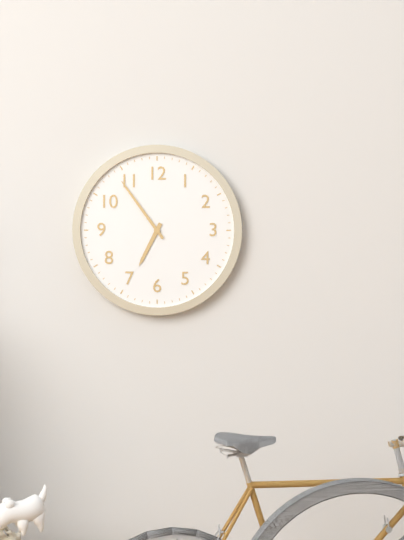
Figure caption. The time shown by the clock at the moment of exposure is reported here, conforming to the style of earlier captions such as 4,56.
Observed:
6,54
